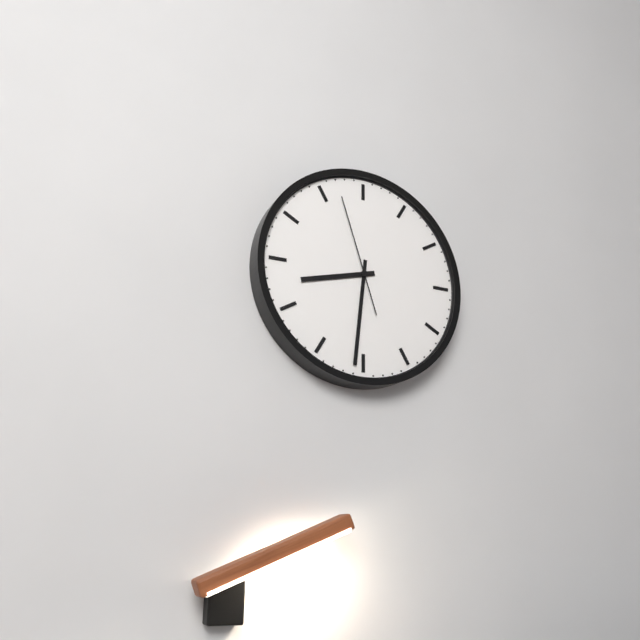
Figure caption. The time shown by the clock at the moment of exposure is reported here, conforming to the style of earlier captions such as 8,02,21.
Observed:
8,31,57
